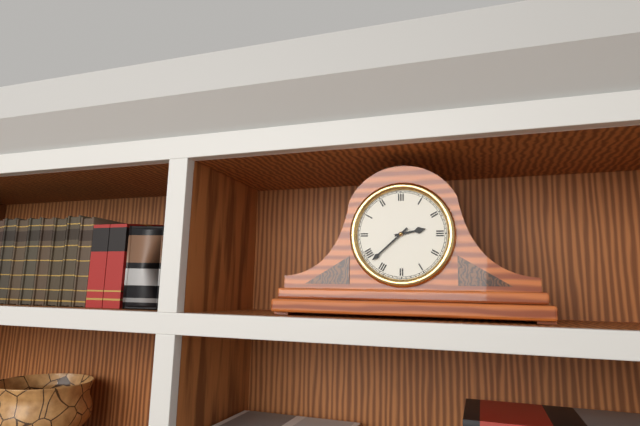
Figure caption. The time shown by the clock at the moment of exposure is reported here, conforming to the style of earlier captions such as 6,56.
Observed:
2,38
